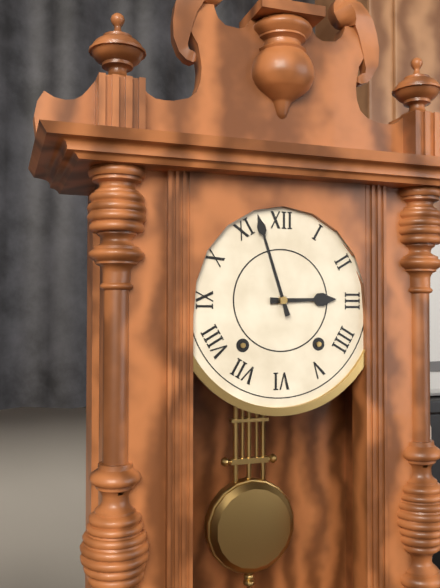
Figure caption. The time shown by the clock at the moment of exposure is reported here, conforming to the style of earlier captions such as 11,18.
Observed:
2,57
